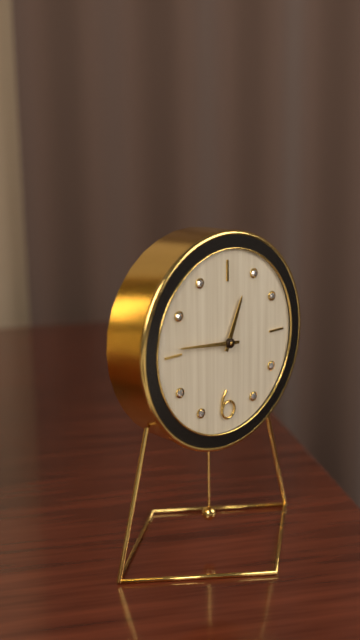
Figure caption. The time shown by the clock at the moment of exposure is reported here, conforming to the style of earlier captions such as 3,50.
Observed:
12,46
